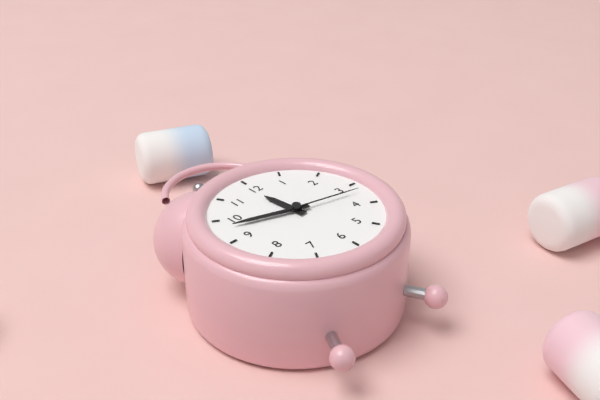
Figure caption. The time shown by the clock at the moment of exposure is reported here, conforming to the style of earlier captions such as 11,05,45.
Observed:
11,48,17
